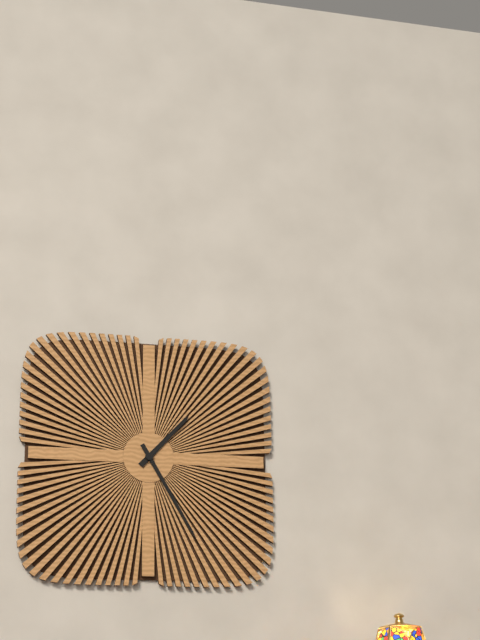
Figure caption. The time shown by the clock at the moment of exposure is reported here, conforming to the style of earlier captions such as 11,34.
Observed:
1,25
